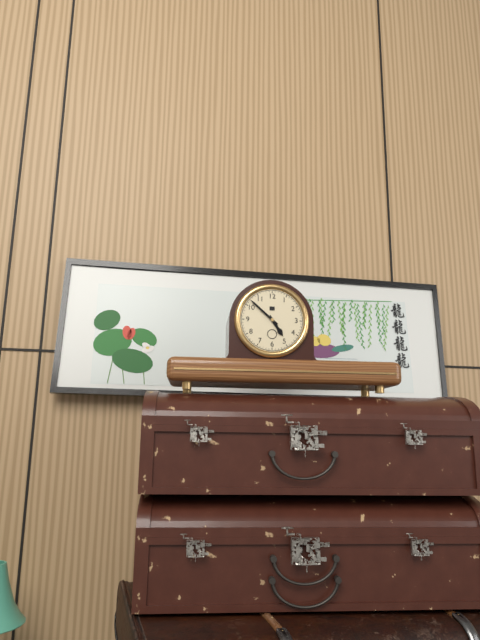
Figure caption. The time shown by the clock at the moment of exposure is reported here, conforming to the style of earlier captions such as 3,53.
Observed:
4,52
